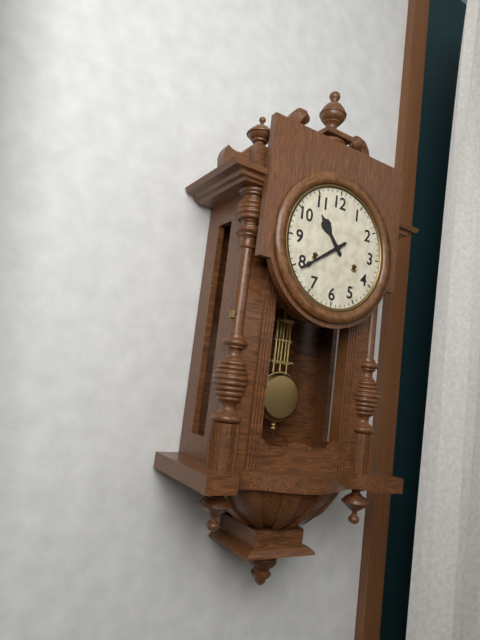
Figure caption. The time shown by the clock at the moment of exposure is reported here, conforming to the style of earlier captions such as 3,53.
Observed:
10,39
